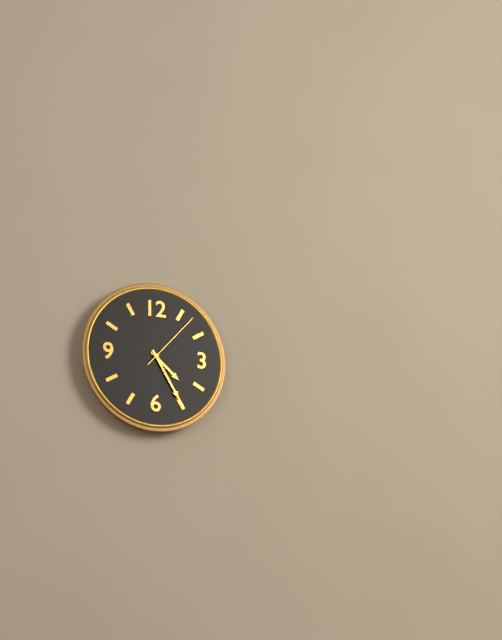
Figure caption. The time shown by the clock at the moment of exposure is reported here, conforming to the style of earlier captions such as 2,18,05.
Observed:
4,25,07
